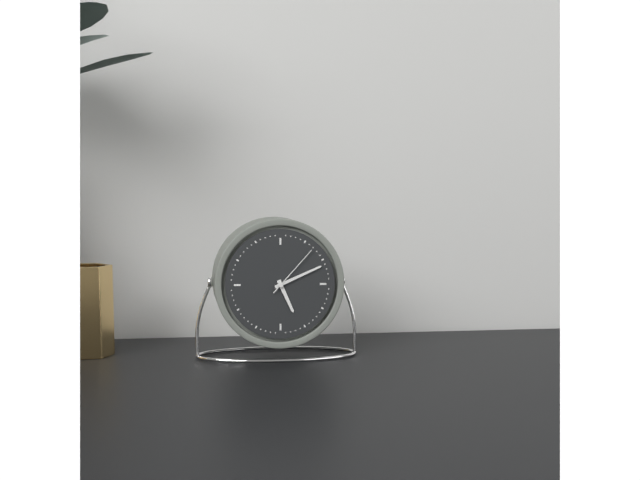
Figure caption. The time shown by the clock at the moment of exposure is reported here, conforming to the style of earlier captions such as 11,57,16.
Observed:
5,11,07
